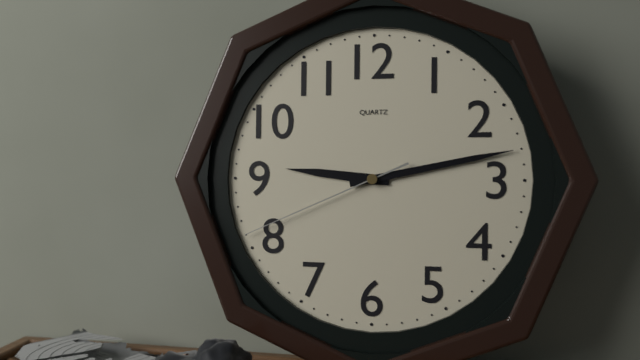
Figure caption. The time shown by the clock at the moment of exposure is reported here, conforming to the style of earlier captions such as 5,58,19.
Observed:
9,13,41
